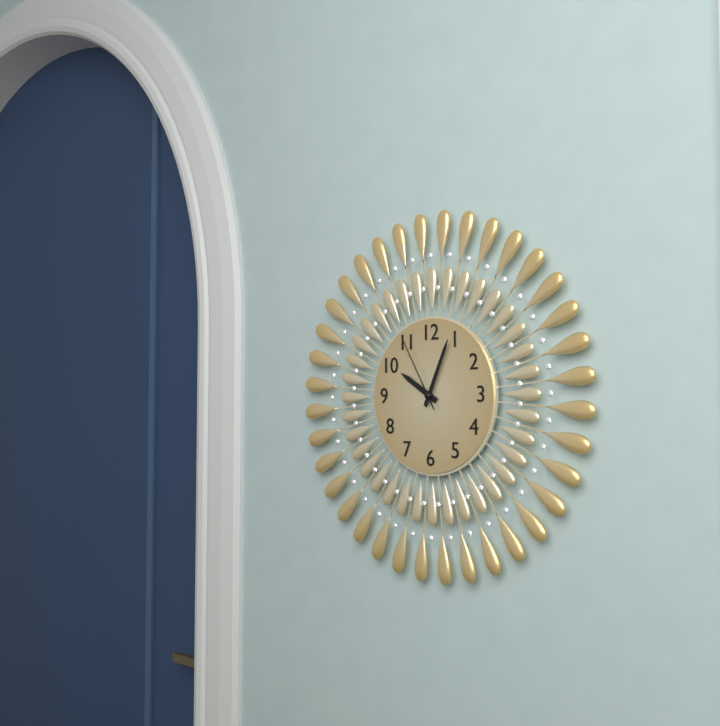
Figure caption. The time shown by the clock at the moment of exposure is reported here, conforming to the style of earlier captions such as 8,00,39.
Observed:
10,04,55
